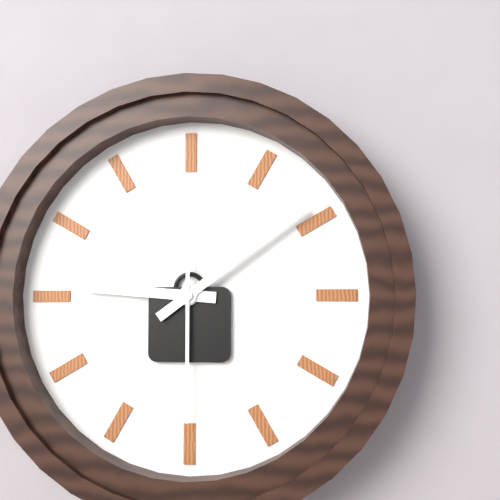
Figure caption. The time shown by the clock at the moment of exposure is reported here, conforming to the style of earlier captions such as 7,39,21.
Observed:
9,09,30
